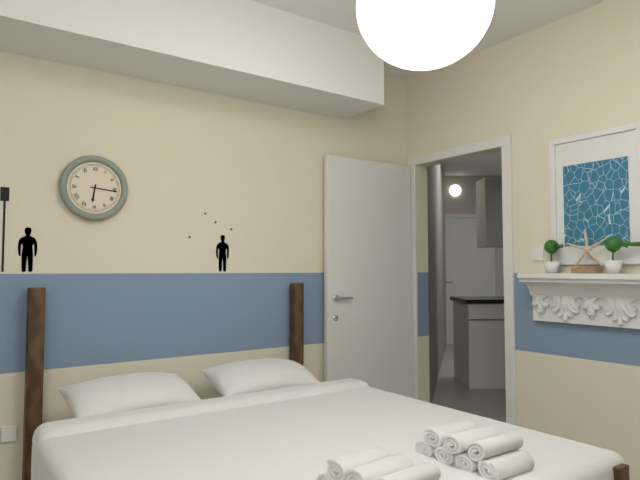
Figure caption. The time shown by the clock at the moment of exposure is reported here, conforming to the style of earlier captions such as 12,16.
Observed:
6,16
